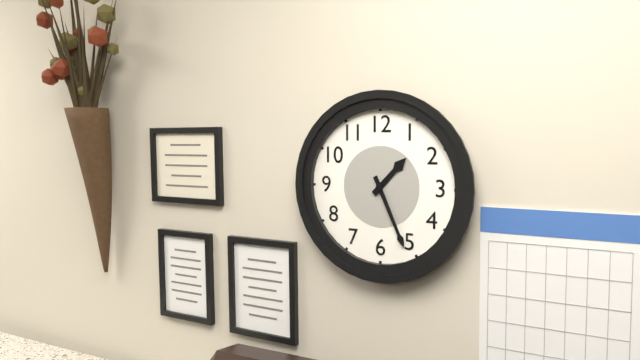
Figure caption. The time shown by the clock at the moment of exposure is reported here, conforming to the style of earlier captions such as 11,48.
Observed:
1,26
